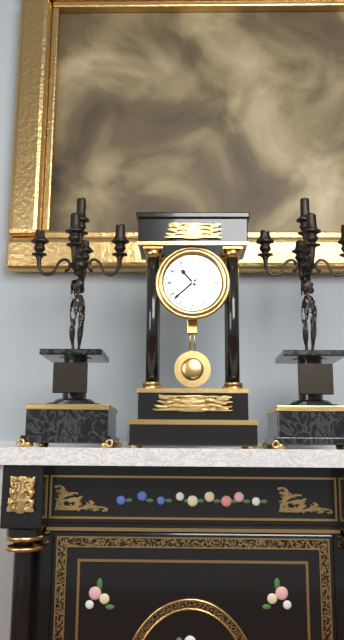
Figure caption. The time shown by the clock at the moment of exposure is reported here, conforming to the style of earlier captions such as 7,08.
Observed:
10,38
